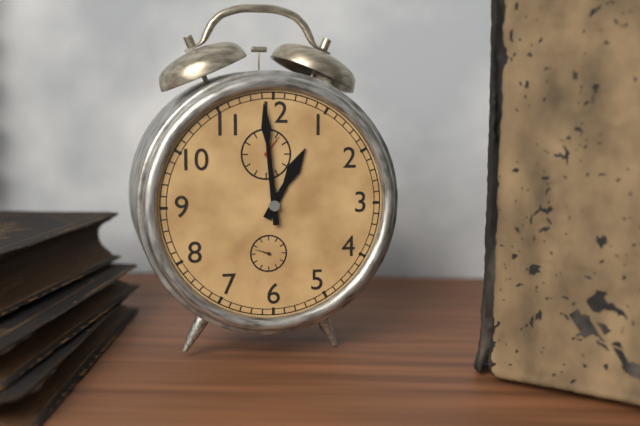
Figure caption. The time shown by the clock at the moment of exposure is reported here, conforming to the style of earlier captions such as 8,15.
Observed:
12,59
